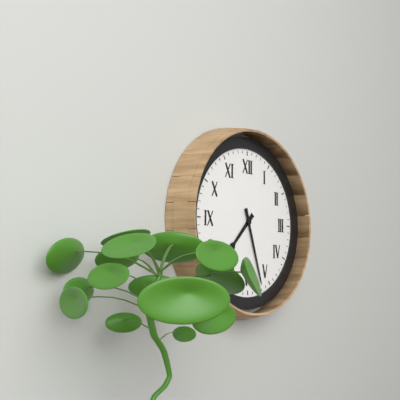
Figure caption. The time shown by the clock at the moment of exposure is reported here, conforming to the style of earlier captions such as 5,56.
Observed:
7,27
